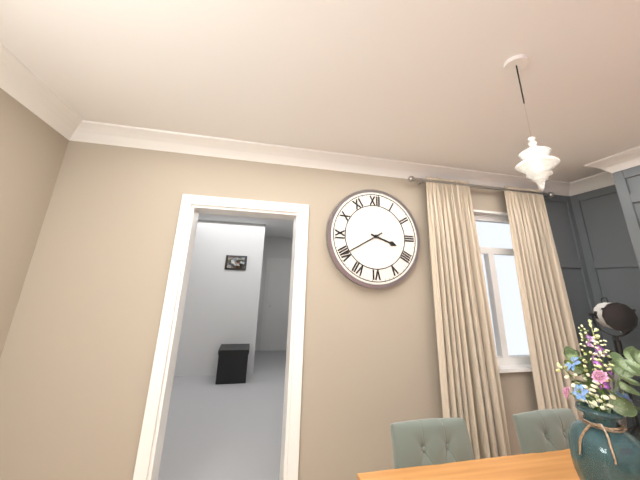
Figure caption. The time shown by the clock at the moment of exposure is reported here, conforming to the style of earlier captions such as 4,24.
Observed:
3,40
